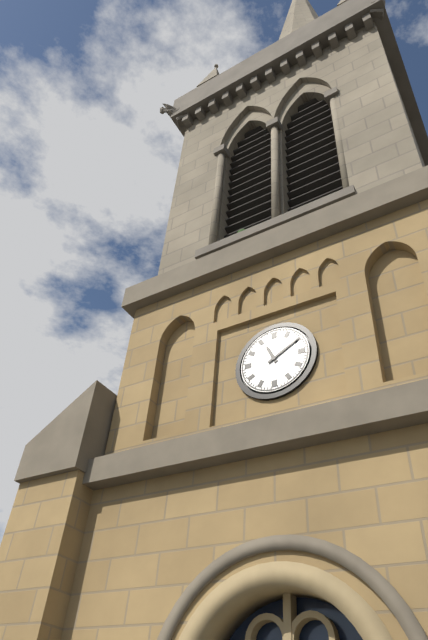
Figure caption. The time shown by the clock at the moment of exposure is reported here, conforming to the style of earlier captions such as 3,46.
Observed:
11,10
